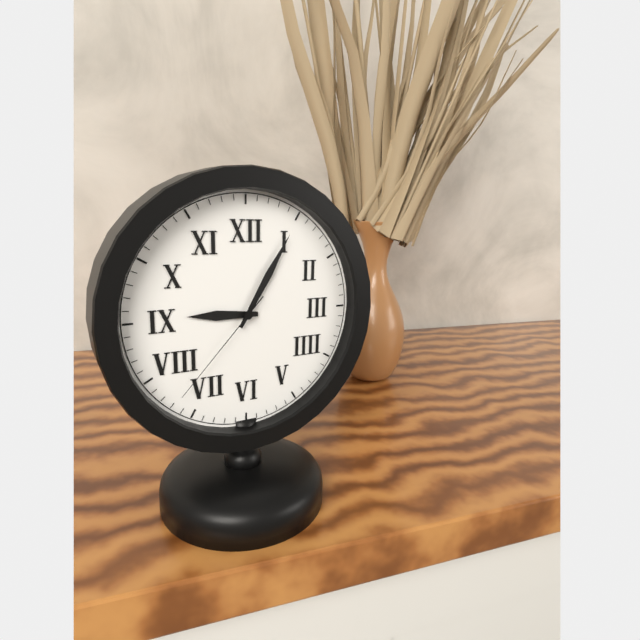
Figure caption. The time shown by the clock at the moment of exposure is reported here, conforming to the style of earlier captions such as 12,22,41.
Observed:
9,05,37
